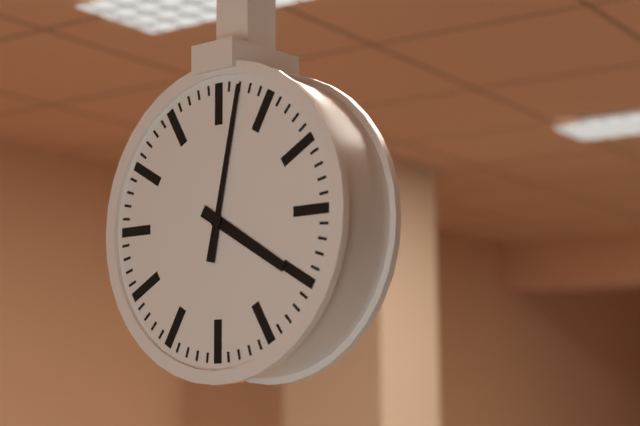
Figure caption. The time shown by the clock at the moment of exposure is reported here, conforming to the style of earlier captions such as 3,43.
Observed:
4,02
